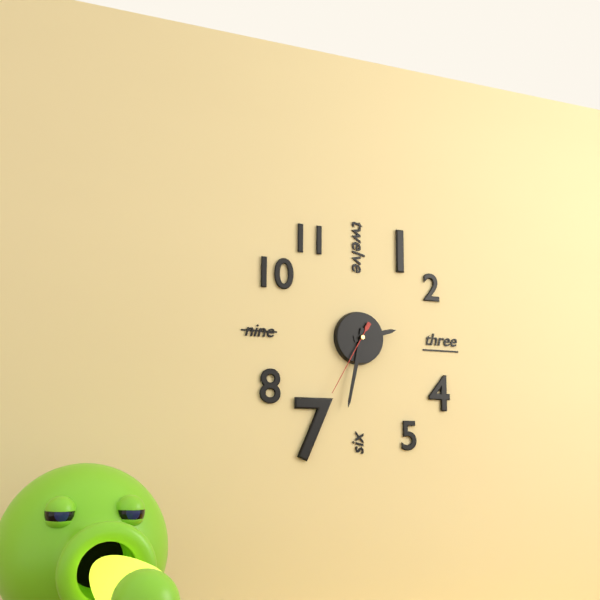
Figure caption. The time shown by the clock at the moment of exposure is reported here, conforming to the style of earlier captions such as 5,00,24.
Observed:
2,32,35
